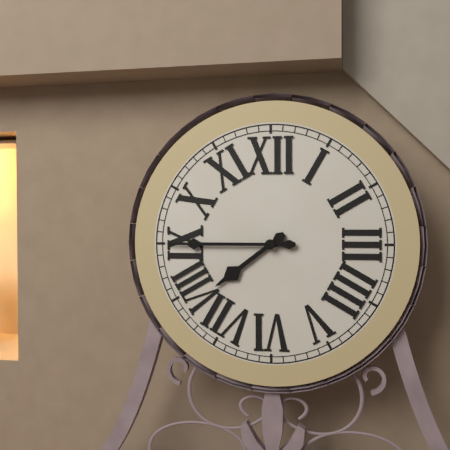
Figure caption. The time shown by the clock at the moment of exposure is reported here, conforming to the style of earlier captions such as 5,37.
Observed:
7,45
